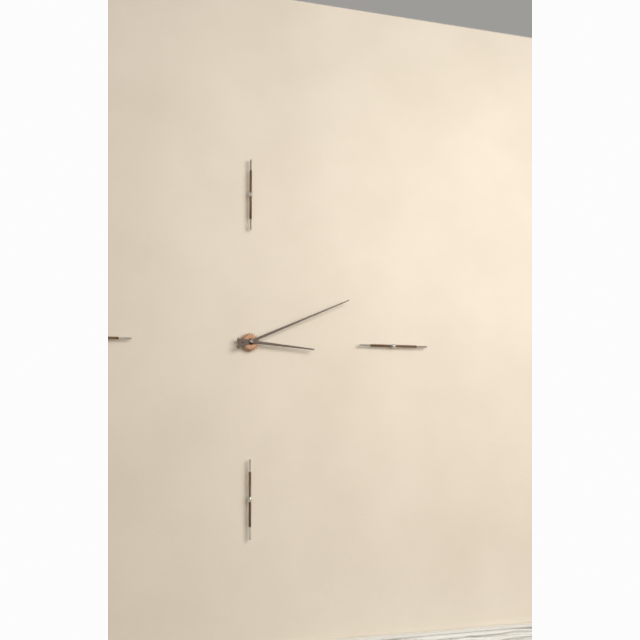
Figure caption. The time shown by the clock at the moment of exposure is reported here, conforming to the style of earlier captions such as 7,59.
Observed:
3,11
